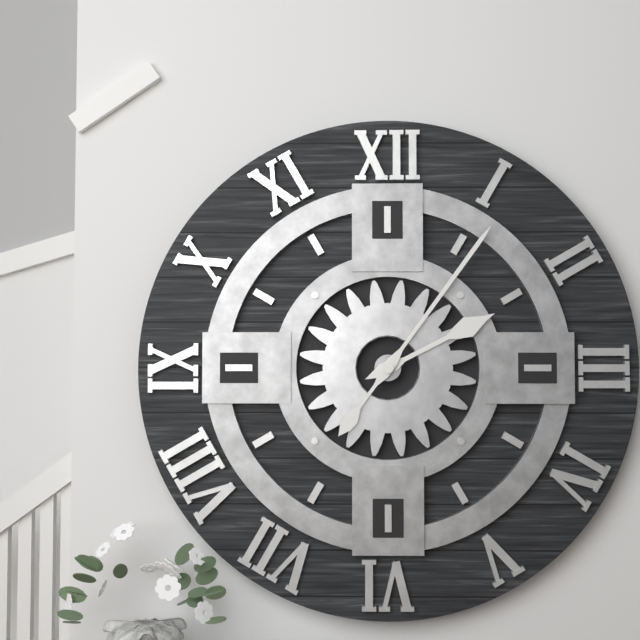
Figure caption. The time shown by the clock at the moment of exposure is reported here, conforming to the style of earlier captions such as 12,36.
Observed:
2,06
